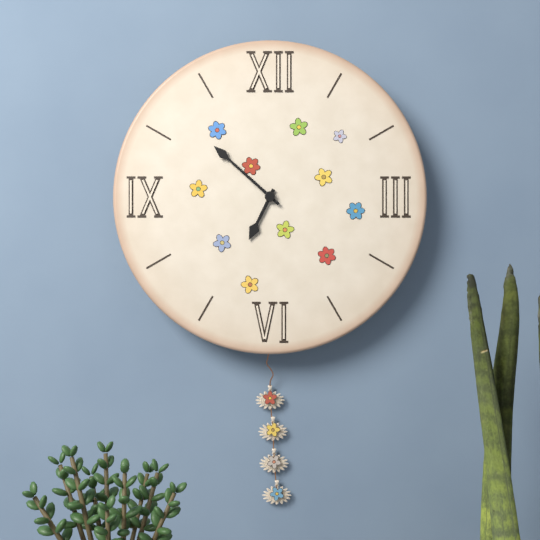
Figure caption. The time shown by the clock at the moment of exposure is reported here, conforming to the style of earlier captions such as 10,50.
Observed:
6,52
